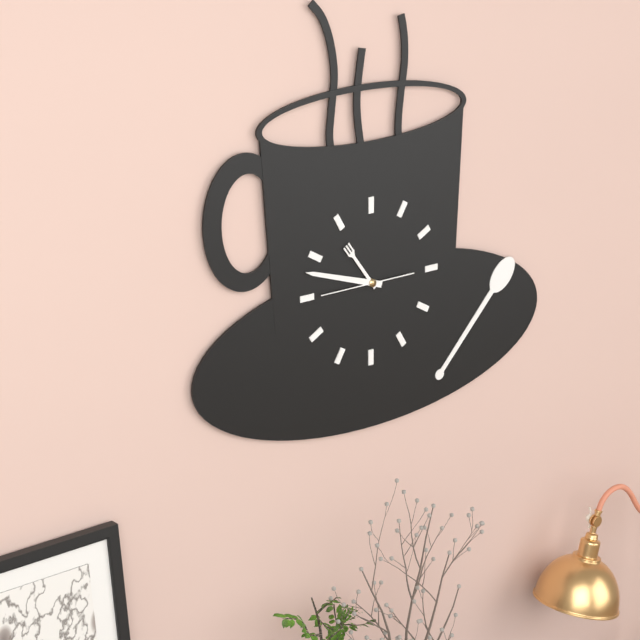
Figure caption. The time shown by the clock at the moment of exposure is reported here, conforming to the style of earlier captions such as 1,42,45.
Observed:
10,48,45
